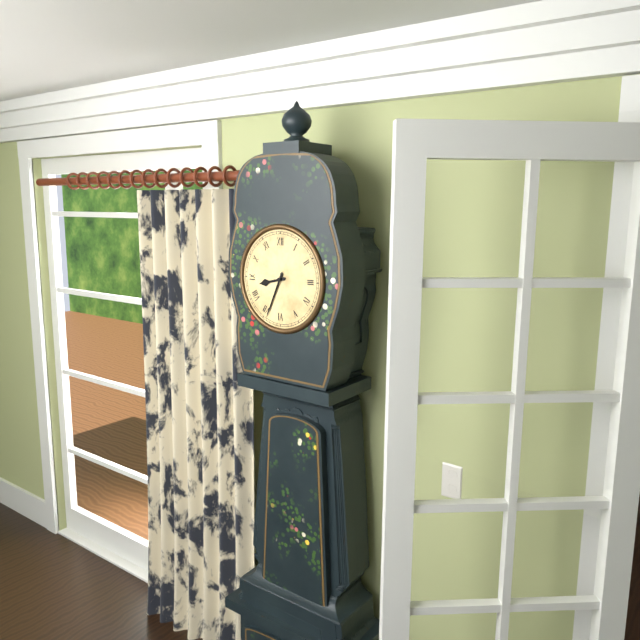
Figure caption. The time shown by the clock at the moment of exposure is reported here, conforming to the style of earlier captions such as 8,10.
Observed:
8,34
